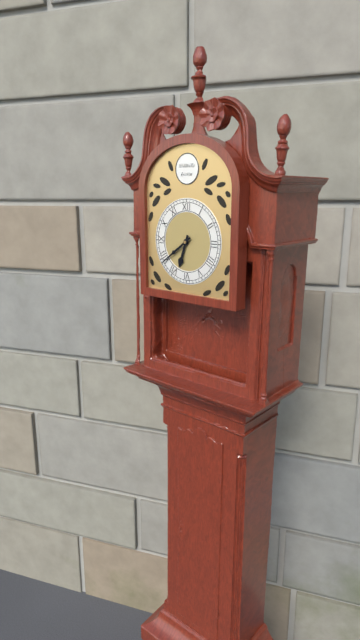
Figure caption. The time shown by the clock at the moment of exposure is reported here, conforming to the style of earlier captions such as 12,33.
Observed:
6,39
